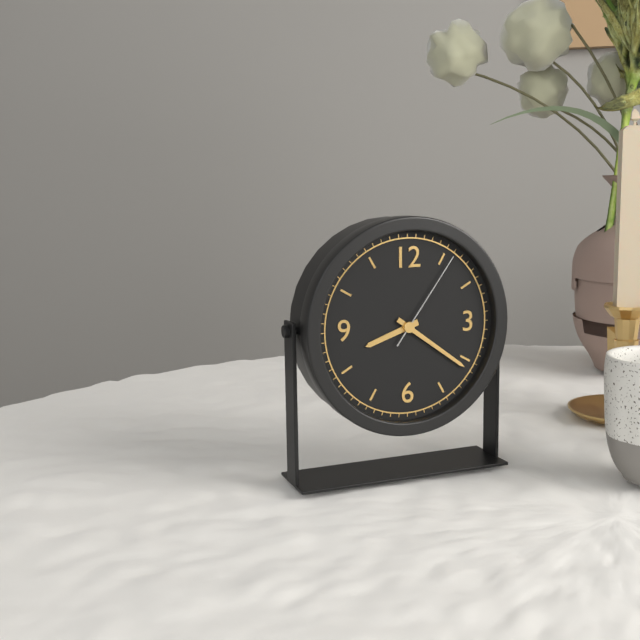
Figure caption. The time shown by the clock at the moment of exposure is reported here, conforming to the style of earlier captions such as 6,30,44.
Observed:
8,21,06
